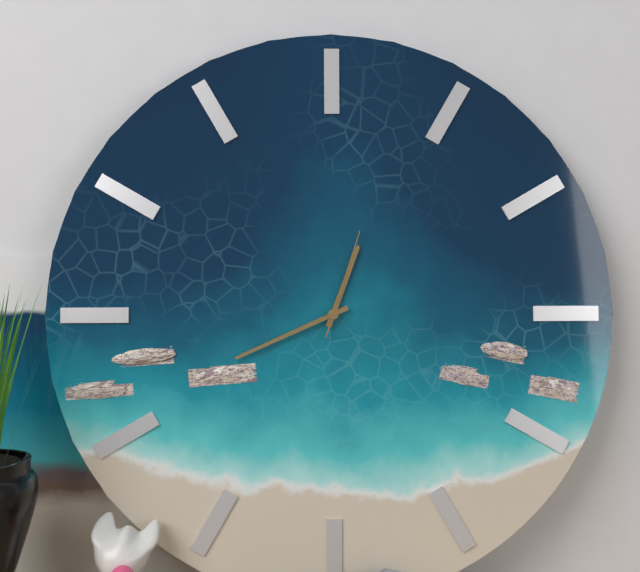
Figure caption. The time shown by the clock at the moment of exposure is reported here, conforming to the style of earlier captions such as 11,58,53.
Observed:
12,41,03
